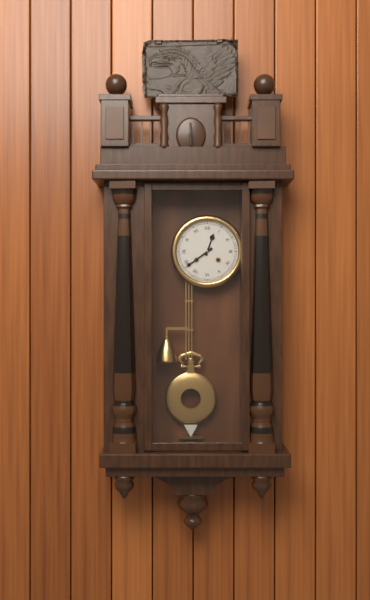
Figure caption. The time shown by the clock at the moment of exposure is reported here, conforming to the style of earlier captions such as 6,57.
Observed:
12,39
